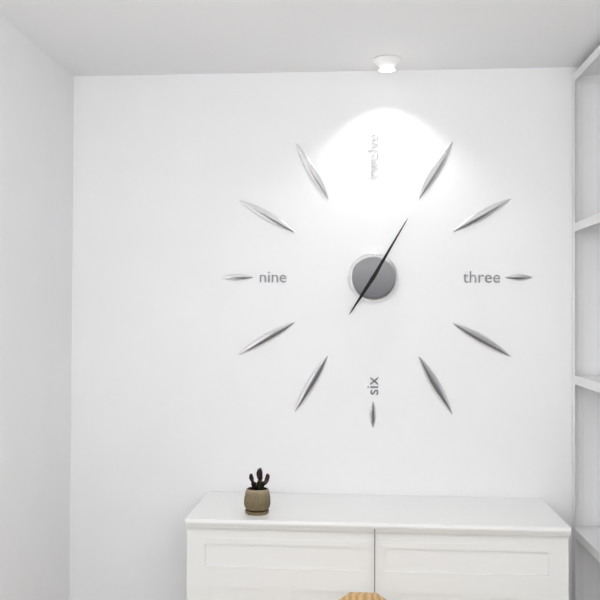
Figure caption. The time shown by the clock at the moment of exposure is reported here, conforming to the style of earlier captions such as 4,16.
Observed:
7,05
